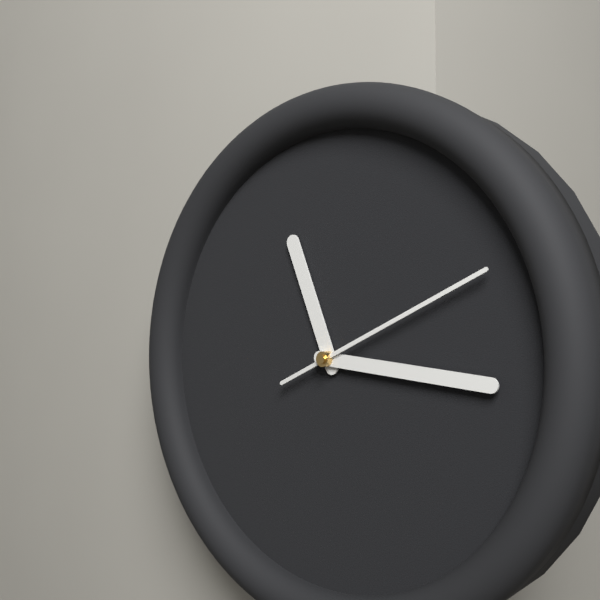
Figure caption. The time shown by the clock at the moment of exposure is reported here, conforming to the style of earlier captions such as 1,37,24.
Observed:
11,16,11
